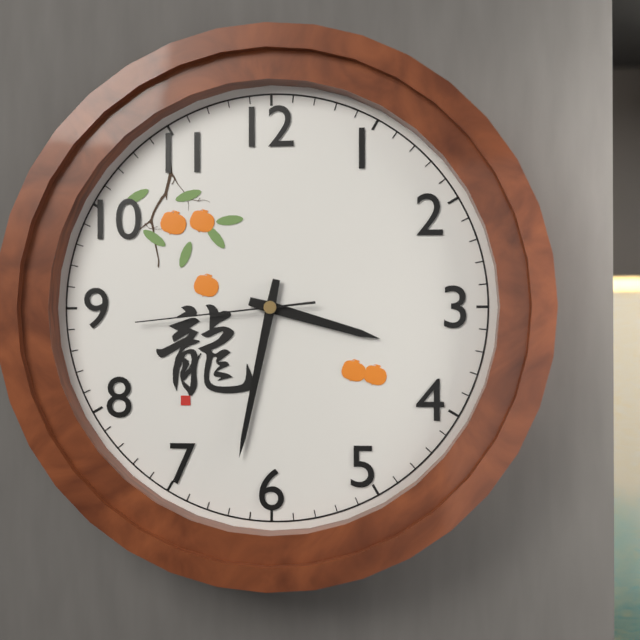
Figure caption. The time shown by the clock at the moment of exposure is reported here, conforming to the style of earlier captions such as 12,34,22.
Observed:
3,32,44
